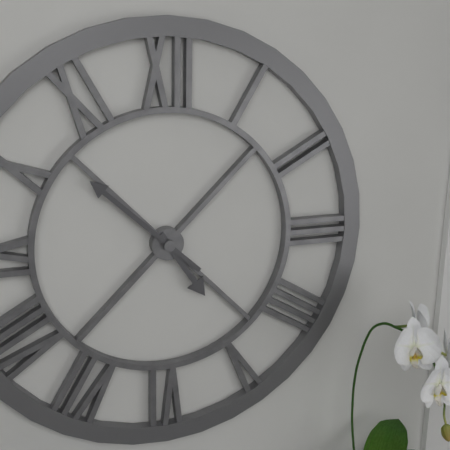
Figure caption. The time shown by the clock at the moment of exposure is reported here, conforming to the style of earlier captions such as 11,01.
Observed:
4,52
